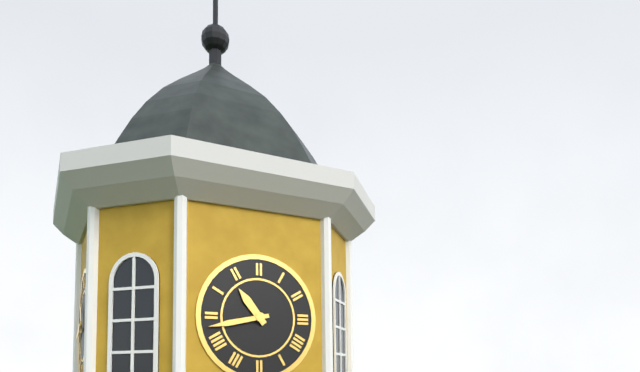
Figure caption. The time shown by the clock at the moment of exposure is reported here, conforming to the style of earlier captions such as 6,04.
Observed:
10,43
